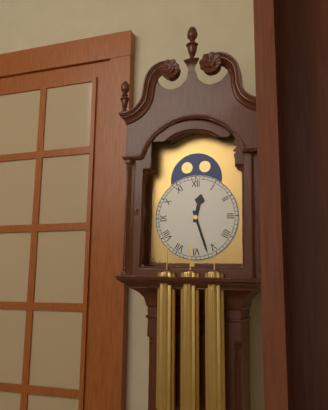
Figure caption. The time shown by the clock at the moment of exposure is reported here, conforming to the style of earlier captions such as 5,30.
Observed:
12,27
